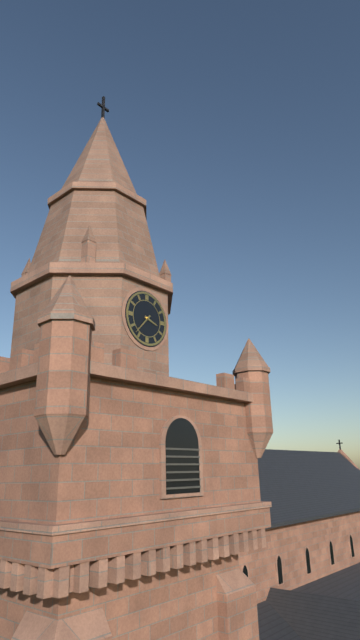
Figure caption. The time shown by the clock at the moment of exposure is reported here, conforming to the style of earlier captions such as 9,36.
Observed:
3,37
